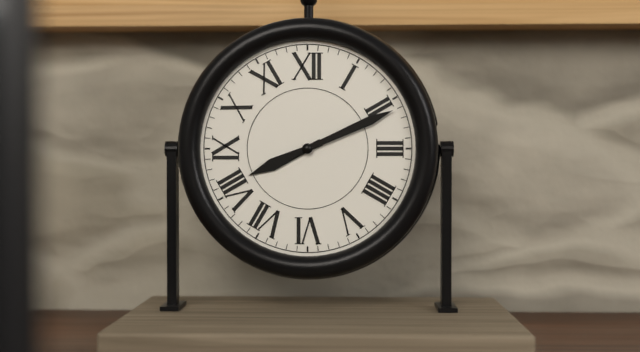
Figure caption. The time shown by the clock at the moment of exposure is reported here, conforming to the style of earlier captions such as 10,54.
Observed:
8,11
